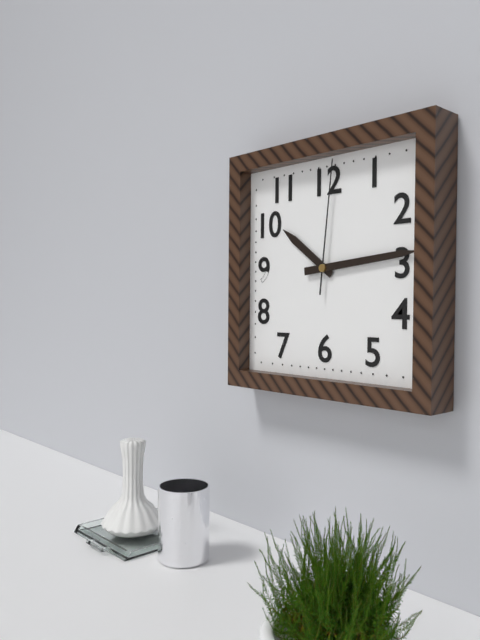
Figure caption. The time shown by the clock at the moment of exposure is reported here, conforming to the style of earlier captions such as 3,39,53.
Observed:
10,14,01
